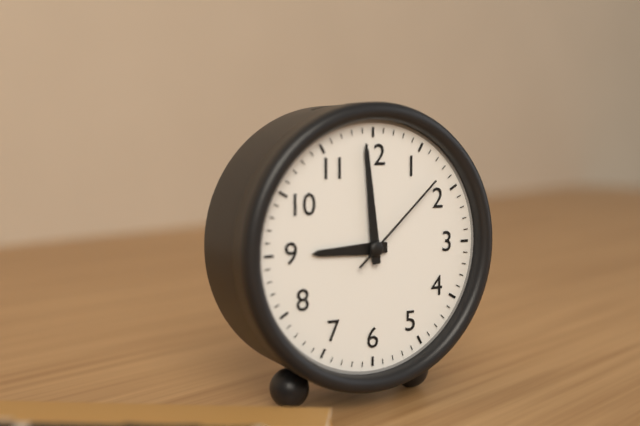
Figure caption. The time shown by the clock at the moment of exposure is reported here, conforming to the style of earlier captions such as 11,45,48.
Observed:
8,59,08
